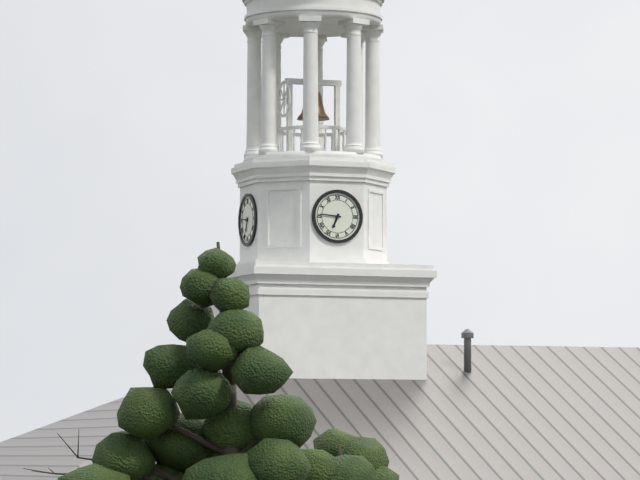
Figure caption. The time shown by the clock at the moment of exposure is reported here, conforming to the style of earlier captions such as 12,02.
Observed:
6,46
